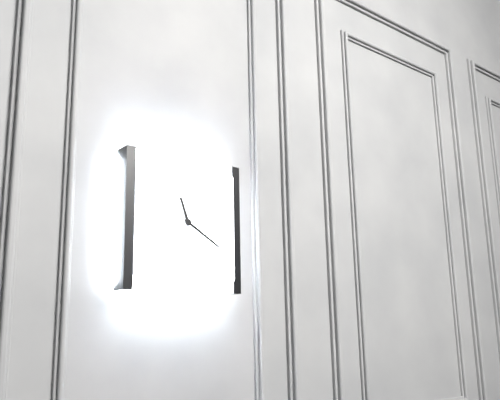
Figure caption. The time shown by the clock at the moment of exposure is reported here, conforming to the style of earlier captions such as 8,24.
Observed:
11,20
